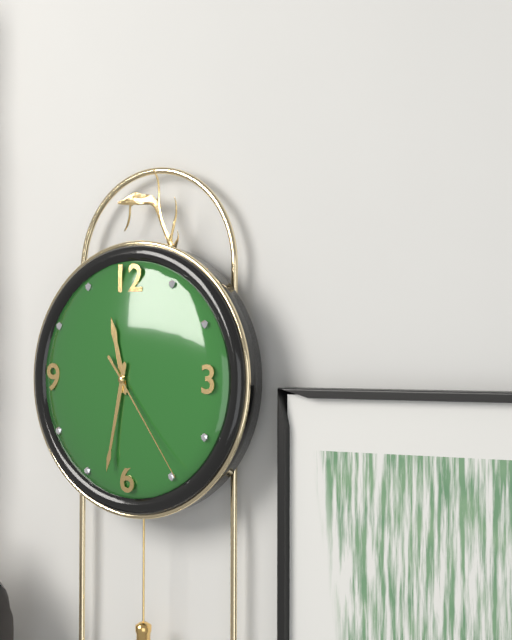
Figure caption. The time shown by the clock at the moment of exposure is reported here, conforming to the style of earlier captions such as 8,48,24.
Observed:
11,32,24
